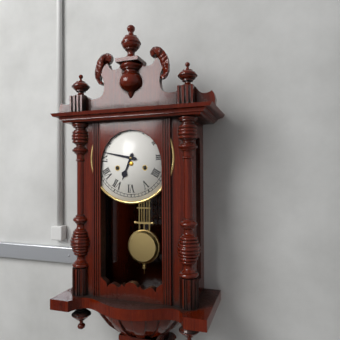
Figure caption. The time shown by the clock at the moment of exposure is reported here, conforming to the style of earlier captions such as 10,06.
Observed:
6,47
